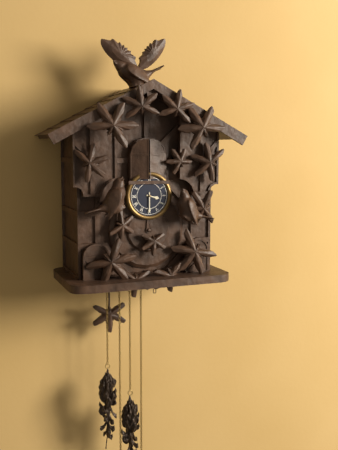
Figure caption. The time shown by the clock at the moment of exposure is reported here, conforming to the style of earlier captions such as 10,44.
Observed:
3,30
